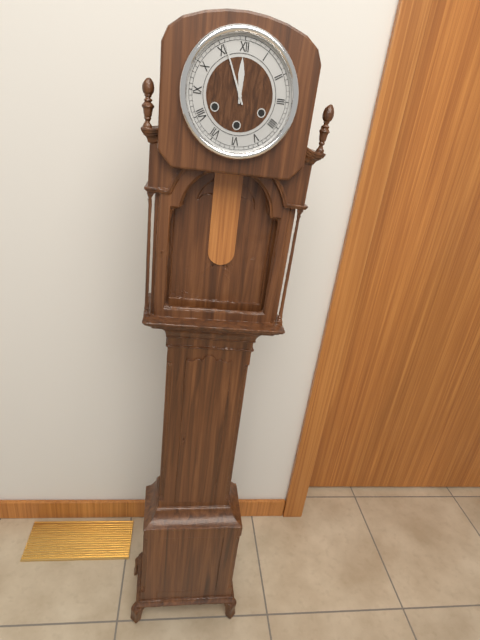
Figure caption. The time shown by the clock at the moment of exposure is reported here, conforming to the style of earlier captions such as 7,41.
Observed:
11,56
